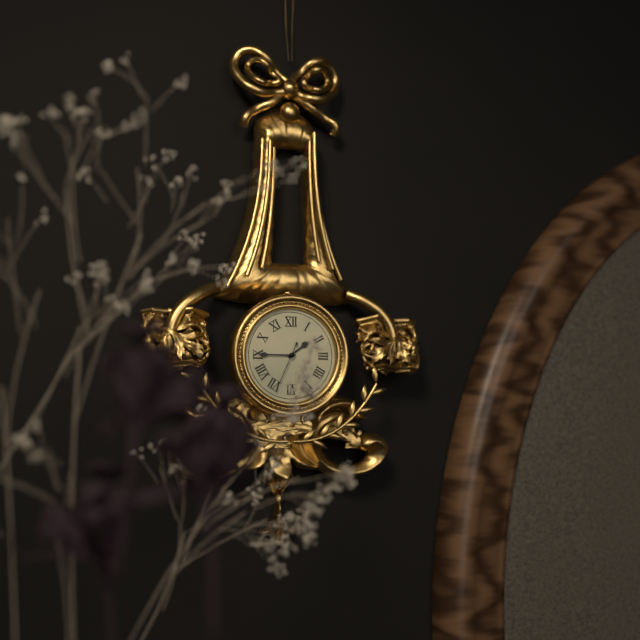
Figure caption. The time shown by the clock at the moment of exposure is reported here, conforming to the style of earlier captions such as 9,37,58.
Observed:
1,45,34
